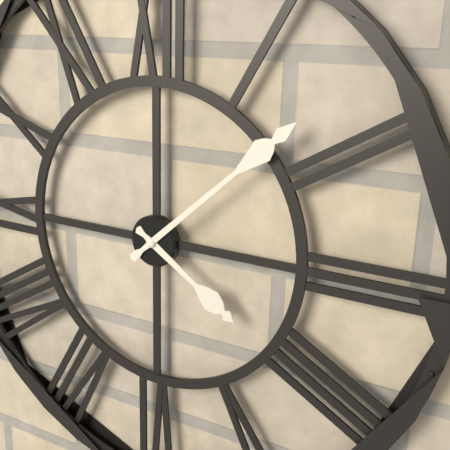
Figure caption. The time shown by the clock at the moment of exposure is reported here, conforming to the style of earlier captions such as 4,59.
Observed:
4,08
